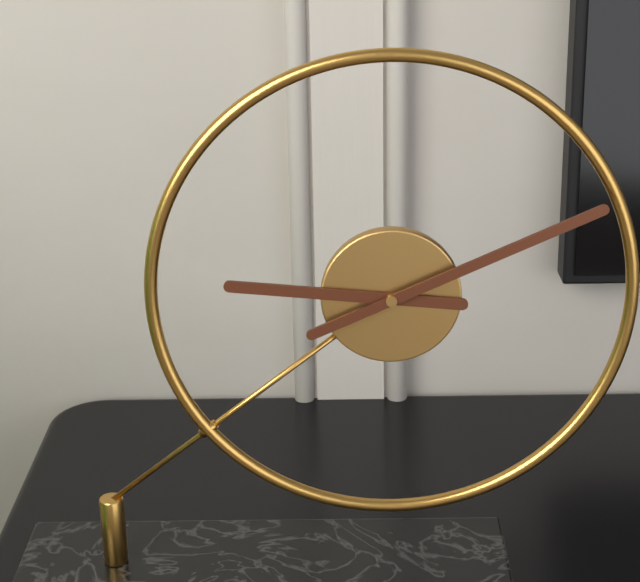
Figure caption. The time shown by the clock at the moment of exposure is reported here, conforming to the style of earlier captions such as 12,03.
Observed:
9,11
